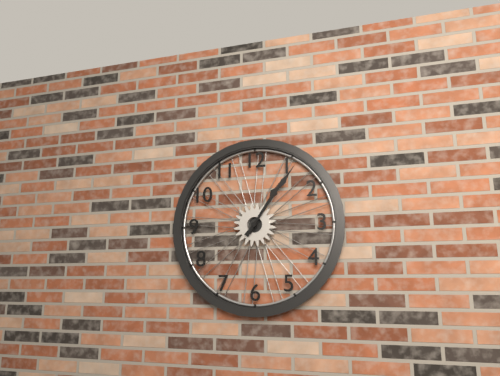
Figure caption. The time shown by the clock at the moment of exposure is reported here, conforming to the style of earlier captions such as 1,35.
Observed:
1,06
